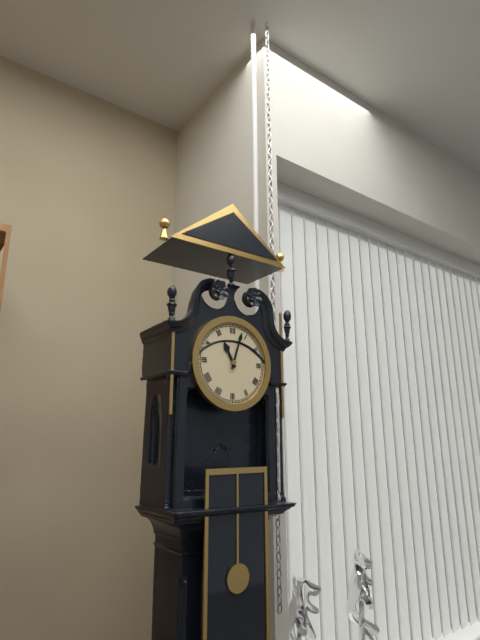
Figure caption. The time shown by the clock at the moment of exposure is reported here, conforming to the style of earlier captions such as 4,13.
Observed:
11,03
